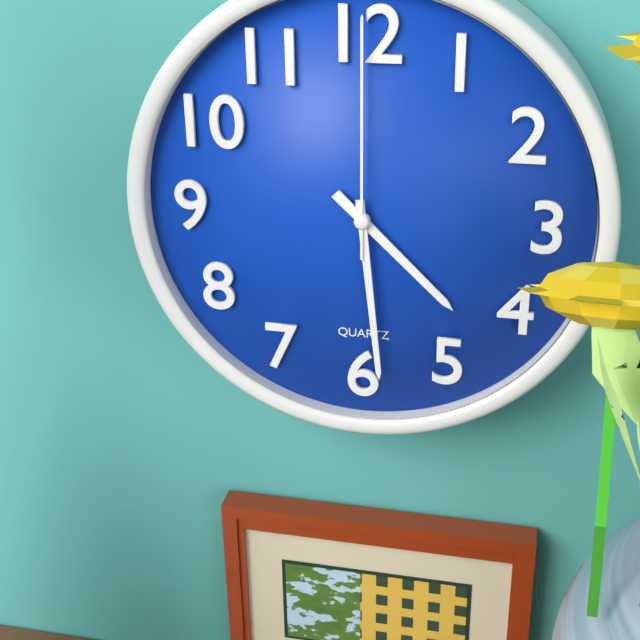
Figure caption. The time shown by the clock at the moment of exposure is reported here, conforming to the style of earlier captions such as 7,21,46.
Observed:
4,29,00
